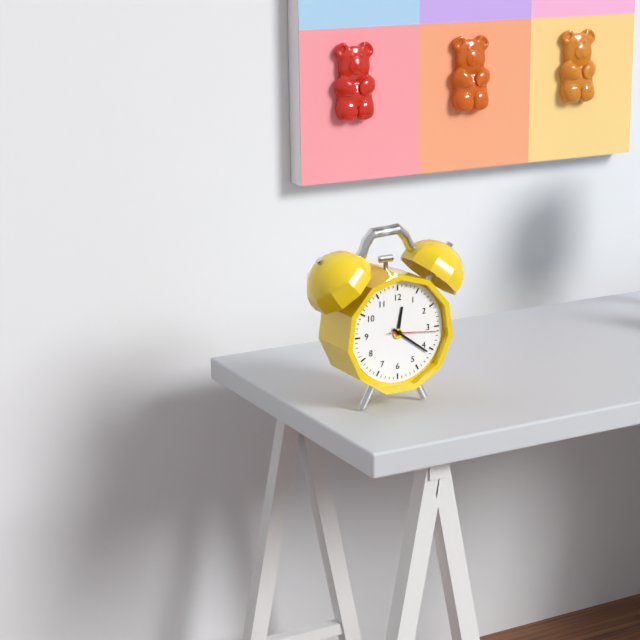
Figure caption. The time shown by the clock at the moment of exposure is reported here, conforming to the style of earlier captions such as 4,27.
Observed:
12,21
